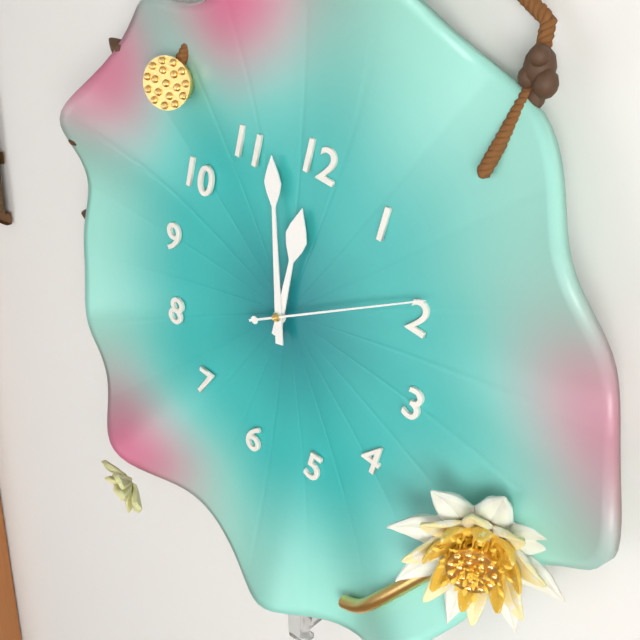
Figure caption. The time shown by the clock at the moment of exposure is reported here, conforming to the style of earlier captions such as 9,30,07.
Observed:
11,57,09
